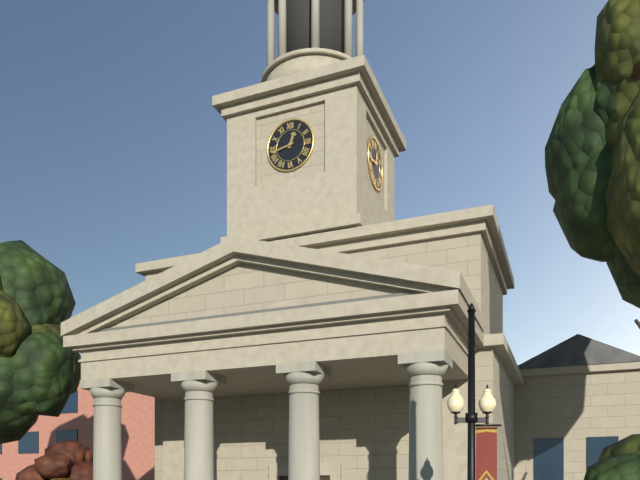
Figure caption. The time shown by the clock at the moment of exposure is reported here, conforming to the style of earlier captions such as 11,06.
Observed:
12,43
